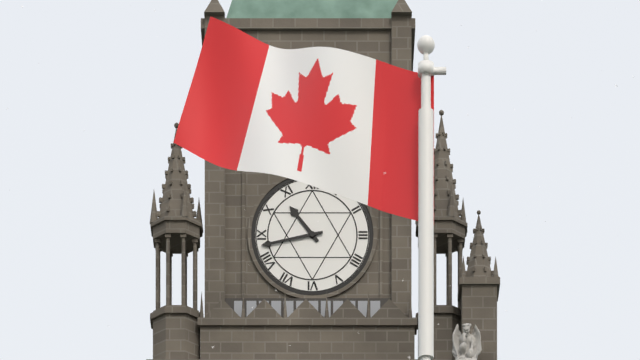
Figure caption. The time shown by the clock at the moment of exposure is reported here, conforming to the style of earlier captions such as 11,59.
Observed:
10,43
